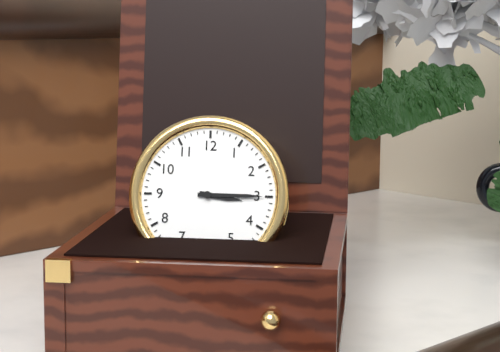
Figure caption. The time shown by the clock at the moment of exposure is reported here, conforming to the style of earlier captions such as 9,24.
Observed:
3,15
